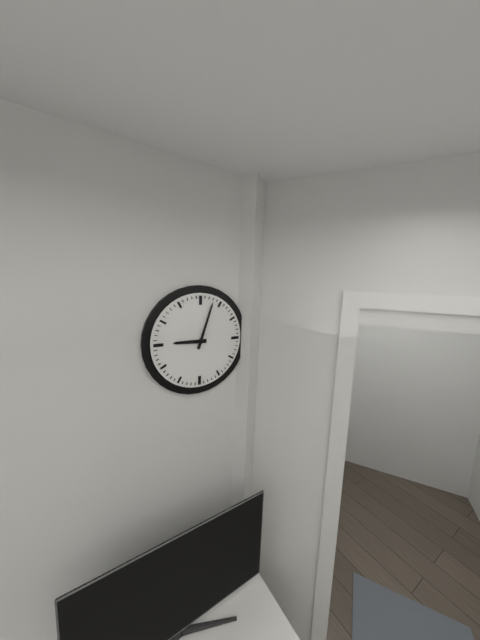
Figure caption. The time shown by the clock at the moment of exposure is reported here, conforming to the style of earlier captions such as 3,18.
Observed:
9,03
